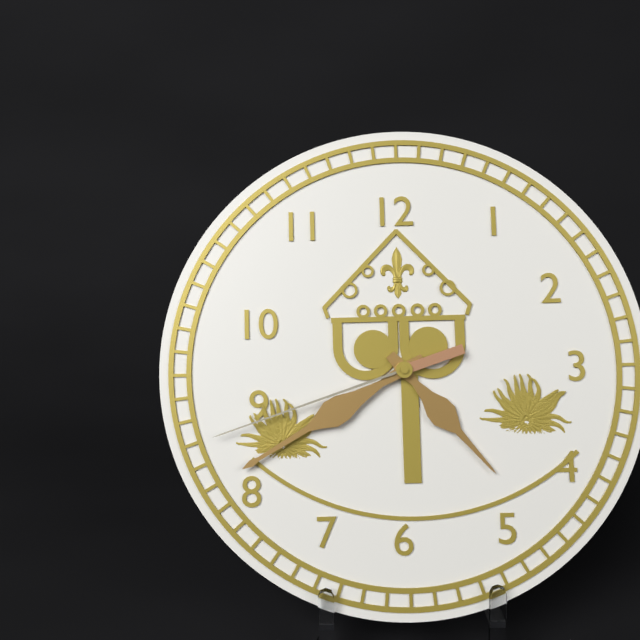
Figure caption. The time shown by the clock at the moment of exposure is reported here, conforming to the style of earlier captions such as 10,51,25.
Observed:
4,40,42
